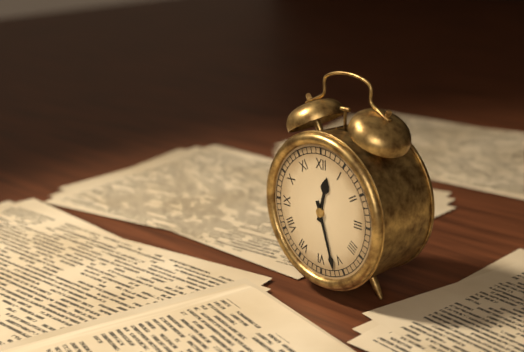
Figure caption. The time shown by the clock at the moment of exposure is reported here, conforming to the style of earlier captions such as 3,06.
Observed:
12,27
